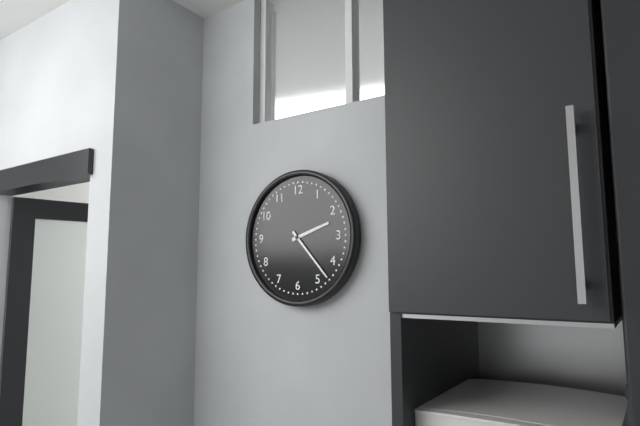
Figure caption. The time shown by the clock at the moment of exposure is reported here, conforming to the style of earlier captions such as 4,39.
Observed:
2,23
